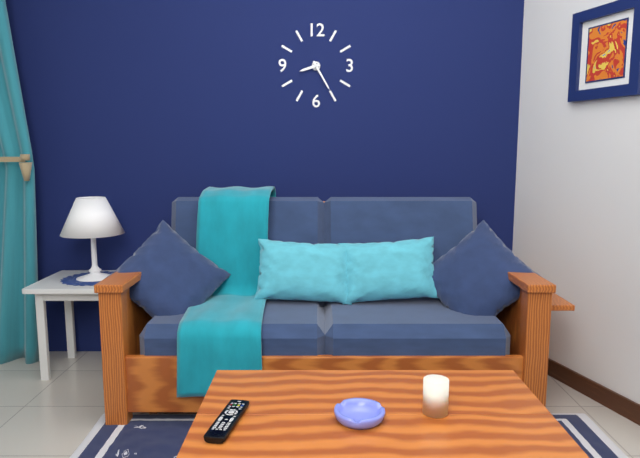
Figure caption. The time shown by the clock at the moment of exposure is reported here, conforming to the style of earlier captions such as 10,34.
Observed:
8,25
